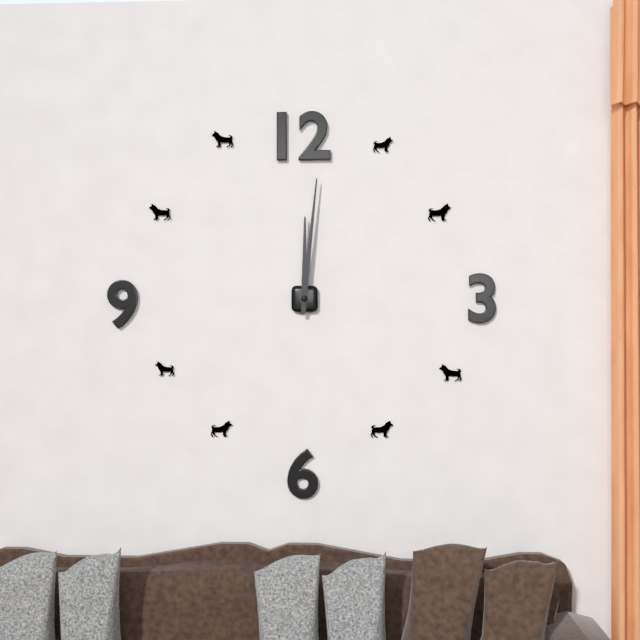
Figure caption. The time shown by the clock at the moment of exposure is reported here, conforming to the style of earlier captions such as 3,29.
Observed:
12,01
